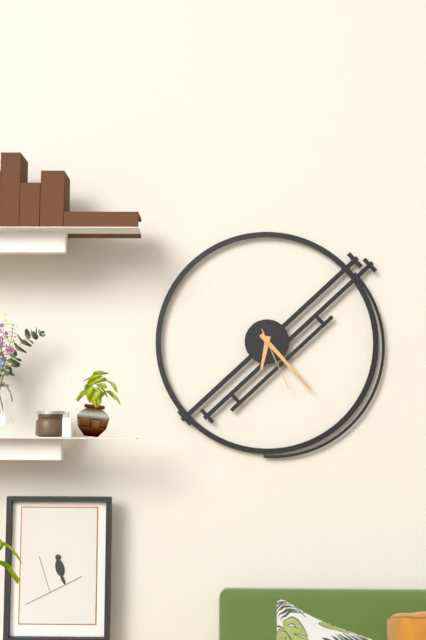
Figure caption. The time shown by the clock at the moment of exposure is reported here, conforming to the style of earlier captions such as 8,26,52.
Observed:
6,23,26
